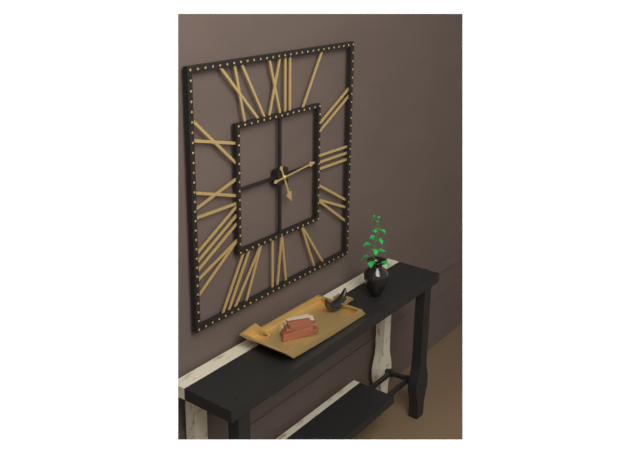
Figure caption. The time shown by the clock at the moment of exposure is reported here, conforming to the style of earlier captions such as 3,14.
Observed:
5,14
